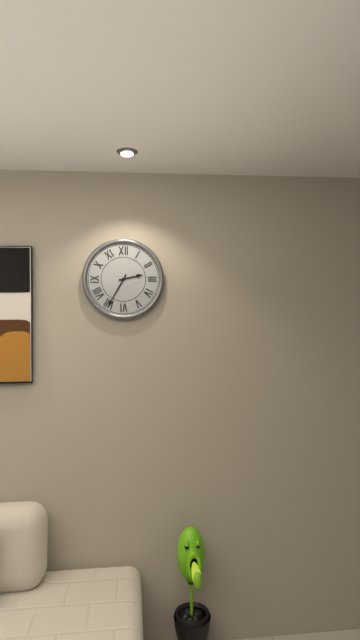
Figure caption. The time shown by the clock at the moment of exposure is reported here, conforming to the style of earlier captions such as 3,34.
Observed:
2,35
